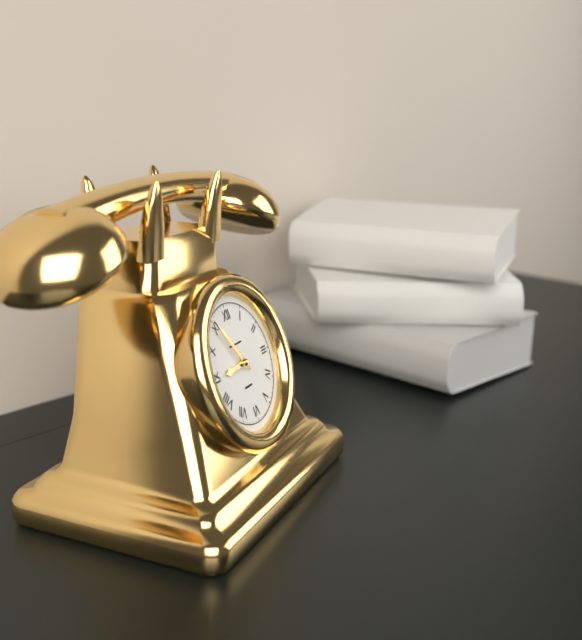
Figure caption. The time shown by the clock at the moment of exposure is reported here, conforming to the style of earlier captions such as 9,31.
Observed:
8,55
